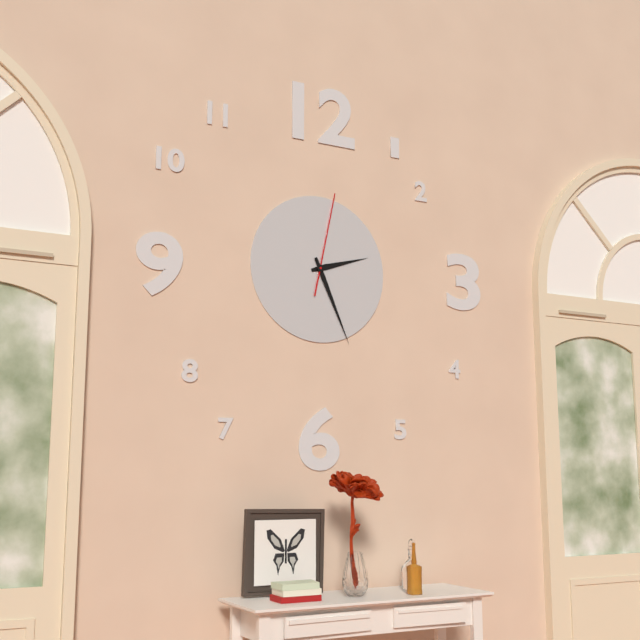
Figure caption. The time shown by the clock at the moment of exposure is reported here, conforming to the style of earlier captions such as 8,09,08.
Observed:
2,26,02
